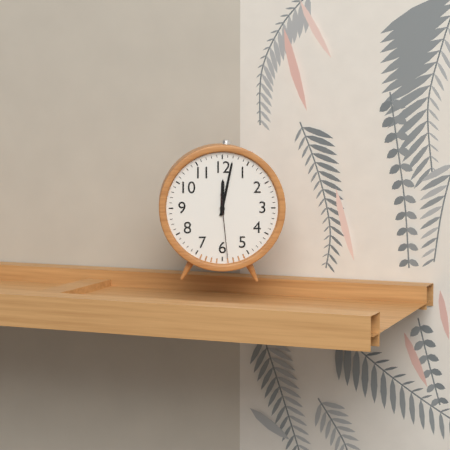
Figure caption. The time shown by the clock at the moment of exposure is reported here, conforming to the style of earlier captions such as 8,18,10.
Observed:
12,02,29
